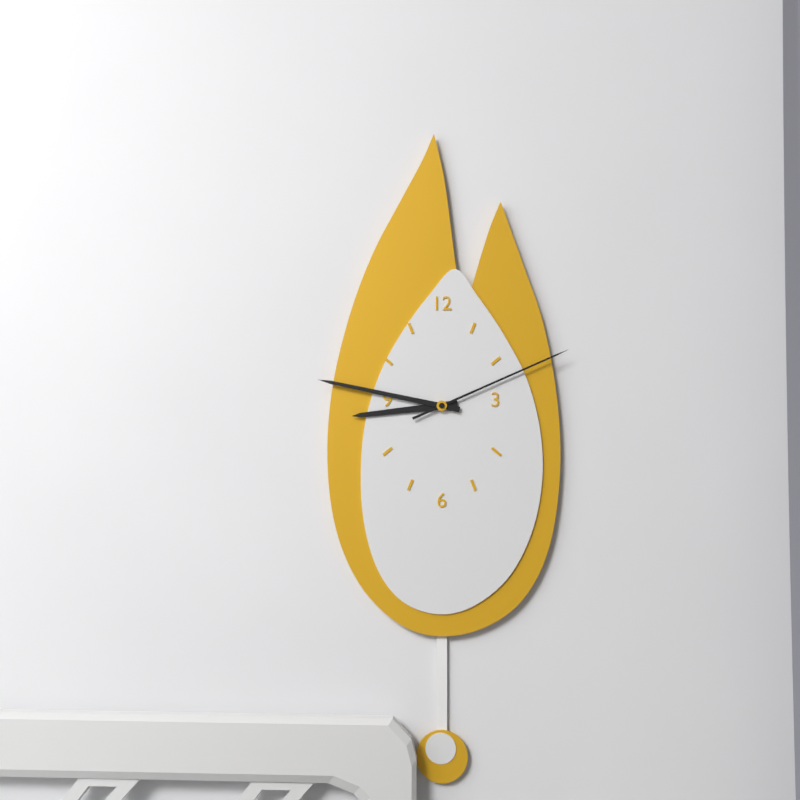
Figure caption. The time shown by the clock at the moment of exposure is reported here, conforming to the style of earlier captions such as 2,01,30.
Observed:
8,47,11
